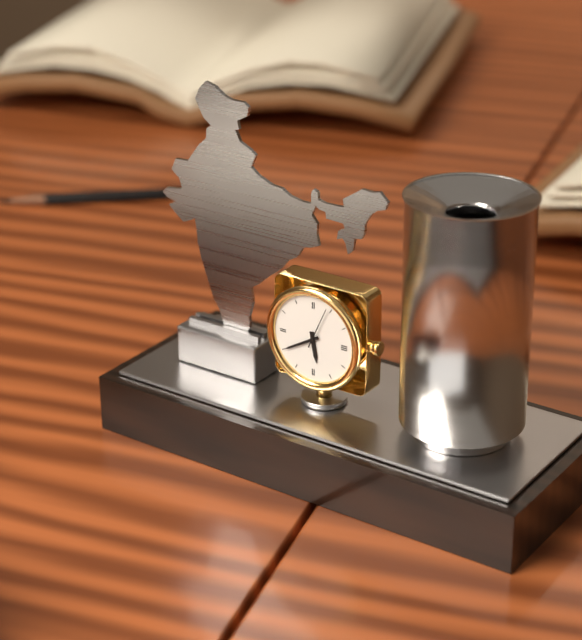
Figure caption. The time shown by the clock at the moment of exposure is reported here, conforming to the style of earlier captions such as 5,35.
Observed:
5,40
